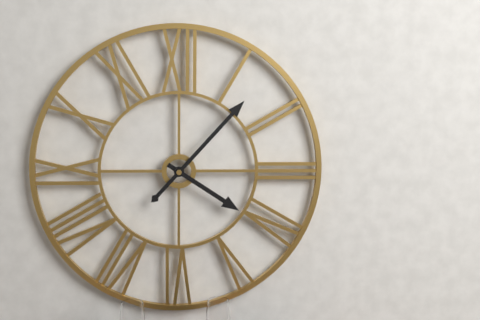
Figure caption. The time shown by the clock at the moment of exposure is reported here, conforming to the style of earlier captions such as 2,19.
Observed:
4,07
